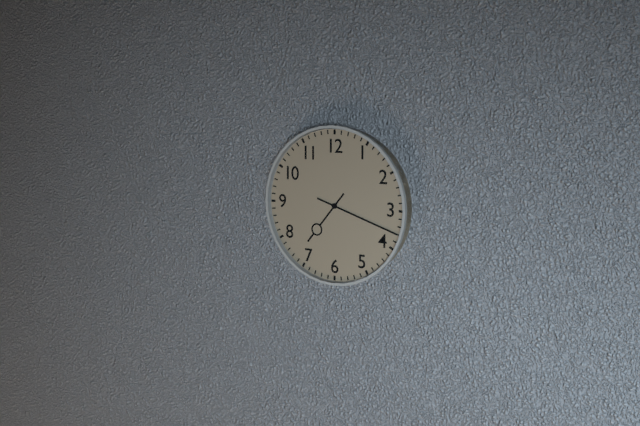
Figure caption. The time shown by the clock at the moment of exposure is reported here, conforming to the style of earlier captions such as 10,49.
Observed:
7,18
